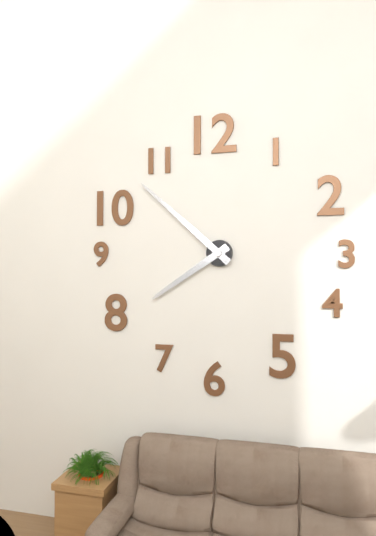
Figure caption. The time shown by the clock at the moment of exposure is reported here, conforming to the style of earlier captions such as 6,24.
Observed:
7,52
